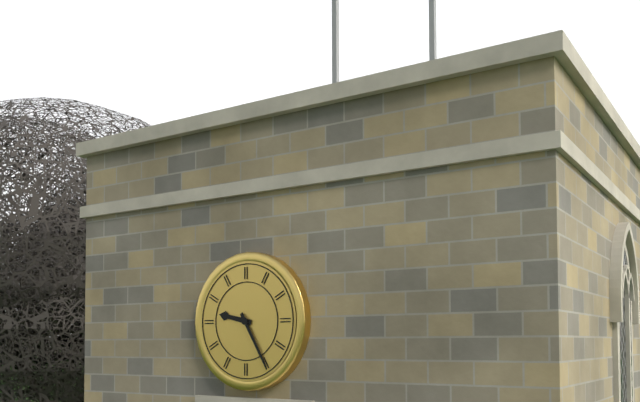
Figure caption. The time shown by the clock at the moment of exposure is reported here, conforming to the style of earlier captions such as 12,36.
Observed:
9,25
